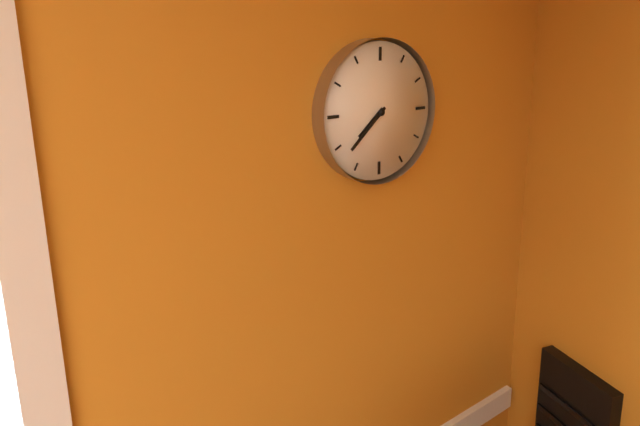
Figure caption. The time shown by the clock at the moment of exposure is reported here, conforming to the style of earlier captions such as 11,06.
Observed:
7,38
